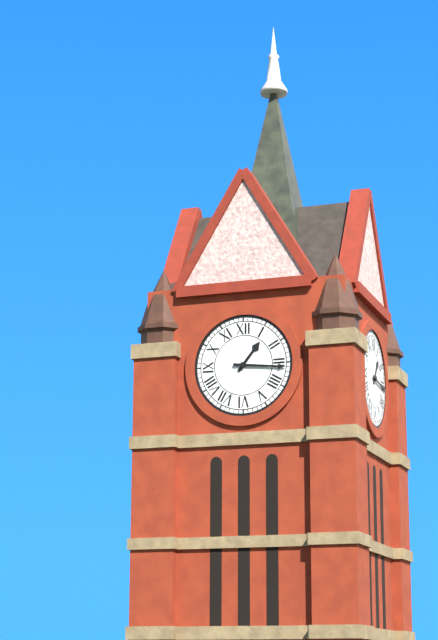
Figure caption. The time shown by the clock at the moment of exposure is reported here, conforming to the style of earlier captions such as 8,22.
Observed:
1,16
